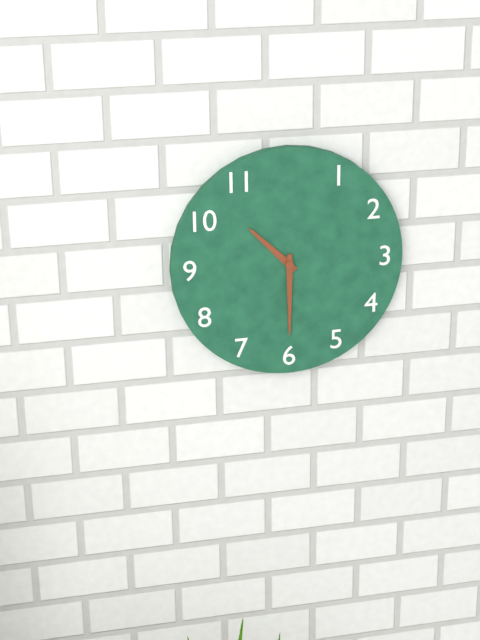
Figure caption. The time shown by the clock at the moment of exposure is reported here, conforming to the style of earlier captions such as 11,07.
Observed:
10,30
